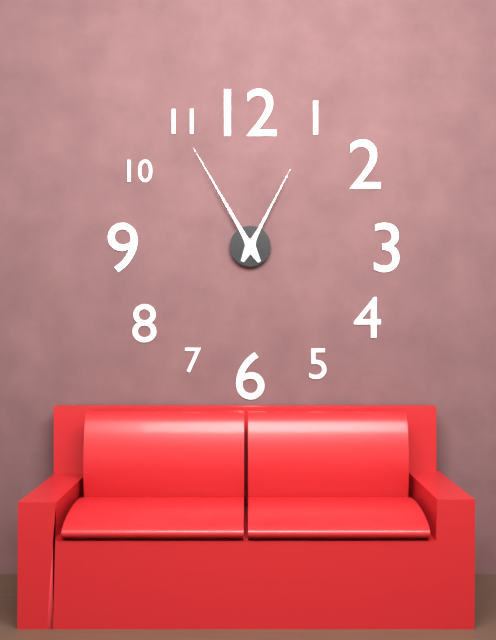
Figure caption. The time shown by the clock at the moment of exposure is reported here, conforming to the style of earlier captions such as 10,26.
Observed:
12,55
